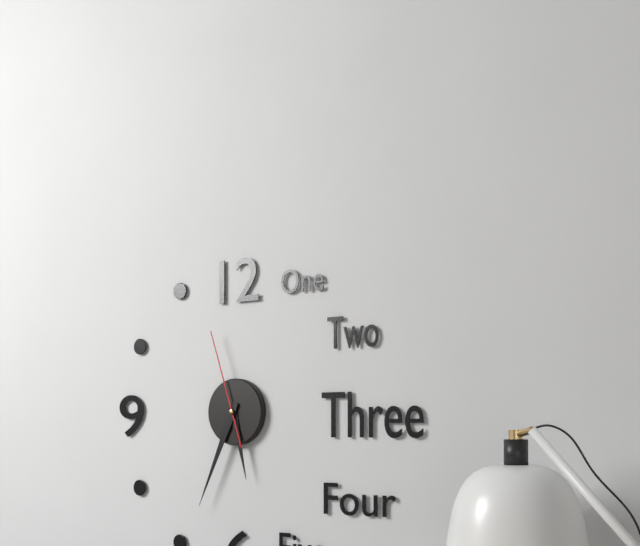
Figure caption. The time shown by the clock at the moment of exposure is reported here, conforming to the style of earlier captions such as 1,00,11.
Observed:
5,34,57
